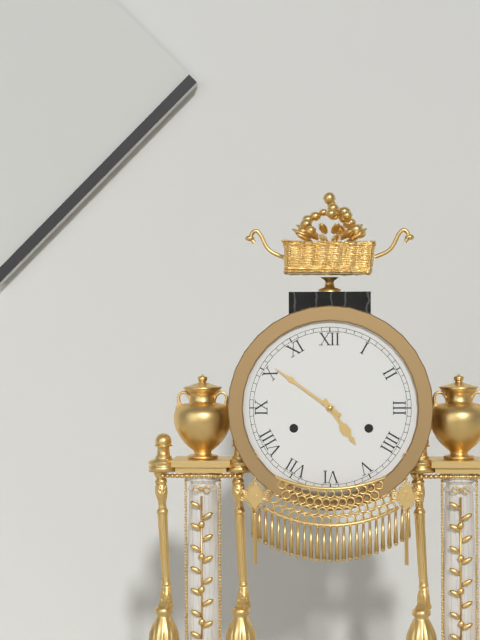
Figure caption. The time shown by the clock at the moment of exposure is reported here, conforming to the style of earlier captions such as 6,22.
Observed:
4,51
